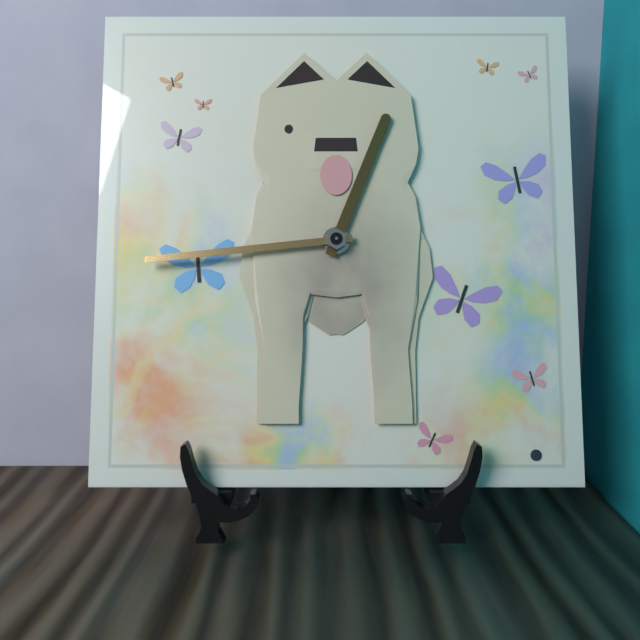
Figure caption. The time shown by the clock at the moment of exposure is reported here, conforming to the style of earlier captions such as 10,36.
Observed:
12,44
